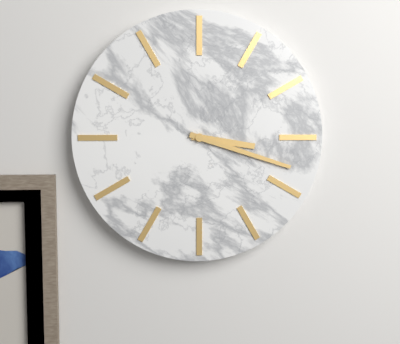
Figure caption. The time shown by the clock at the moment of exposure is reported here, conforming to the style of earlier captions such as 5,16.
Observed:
3,18
